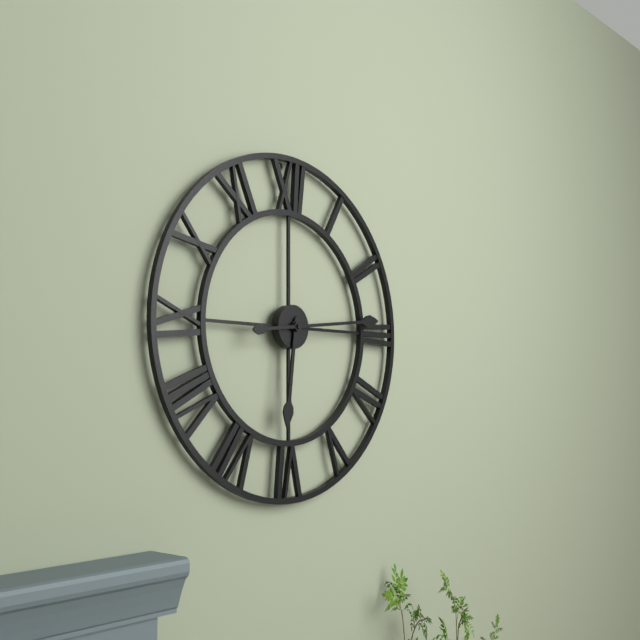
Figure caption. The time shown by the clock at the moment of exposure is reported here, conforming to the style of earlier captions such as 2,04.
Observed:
6,14
